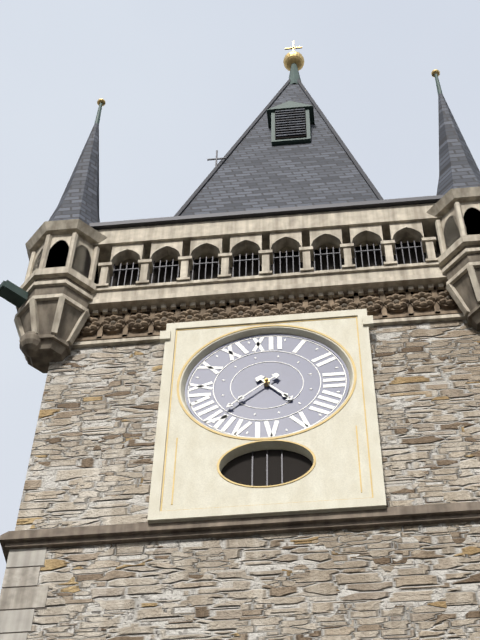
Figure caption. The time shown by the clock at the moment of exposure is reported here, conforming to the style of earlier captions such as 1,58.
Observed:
4,38
